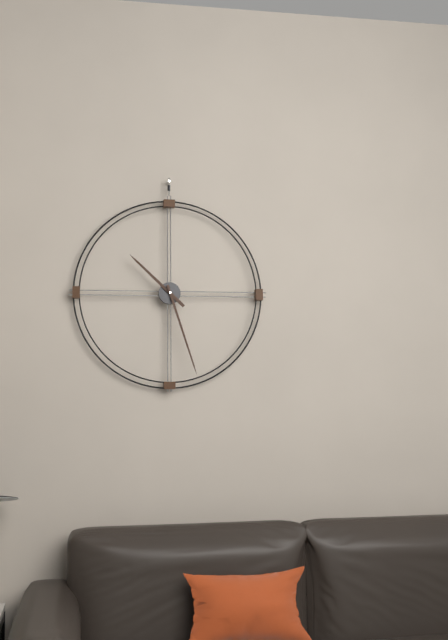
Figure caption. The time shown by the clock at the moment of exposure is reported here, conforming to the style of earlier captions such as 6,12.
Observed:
10,27
